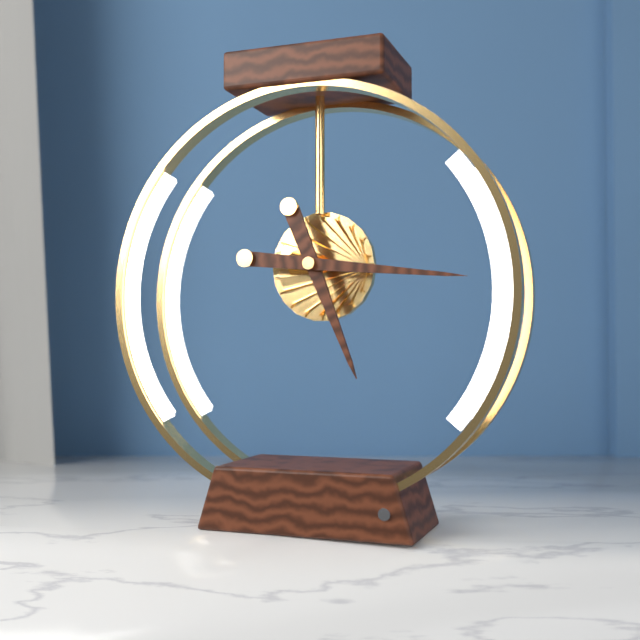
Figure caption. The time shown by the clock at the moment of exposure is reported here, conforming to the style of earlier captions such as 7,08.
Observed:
5,16
